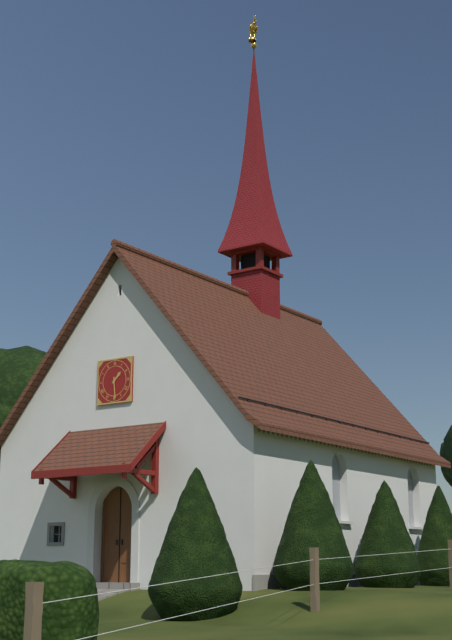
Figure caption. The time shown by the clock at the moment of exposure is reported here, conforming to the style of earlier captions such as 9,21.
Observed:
1,29
